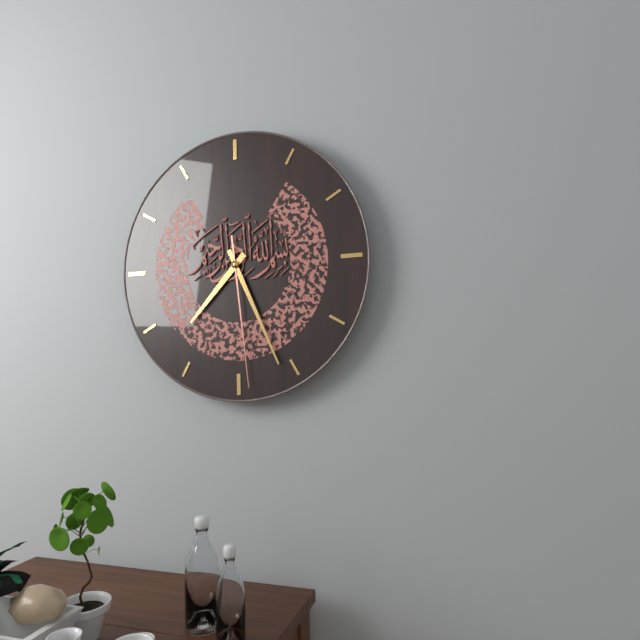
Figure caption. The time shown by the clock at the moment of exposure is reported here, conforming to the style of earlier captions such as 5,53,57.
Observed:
7,26,29
